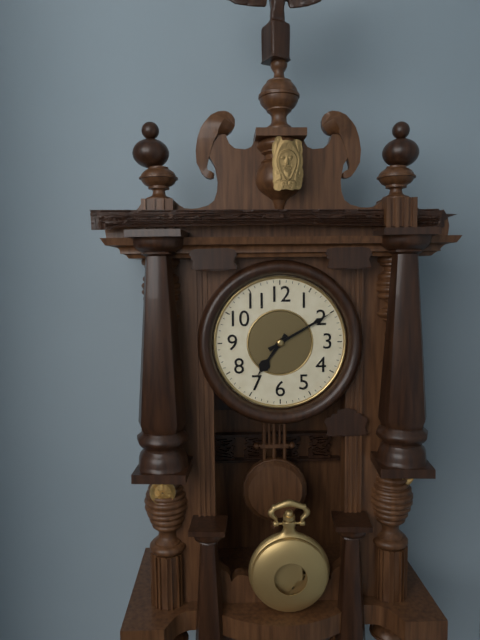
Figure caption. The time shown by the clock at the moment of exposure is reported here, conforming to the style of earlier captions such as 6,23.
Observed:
7,10
